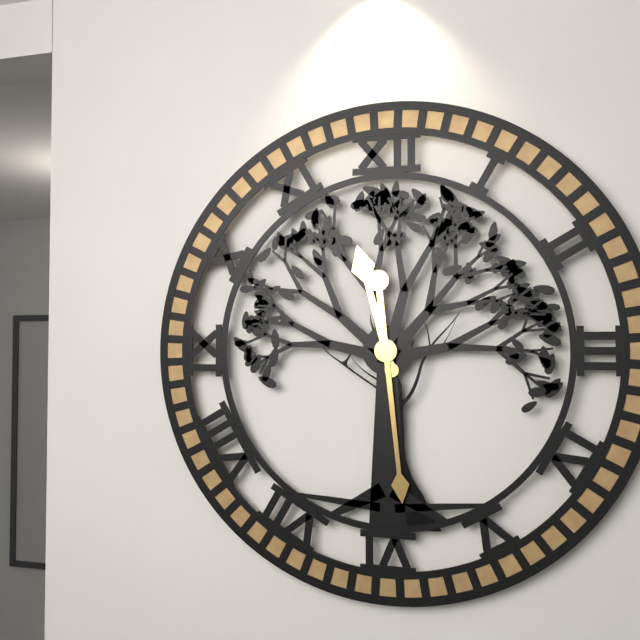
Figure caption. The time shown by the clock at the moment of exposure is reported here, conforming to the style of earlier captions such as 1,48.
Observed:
11,29
